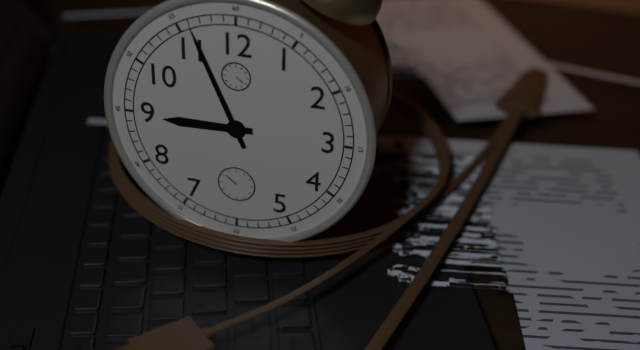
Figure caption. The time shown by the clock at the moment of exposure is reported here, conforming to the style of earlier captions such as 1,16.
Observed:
8,56
